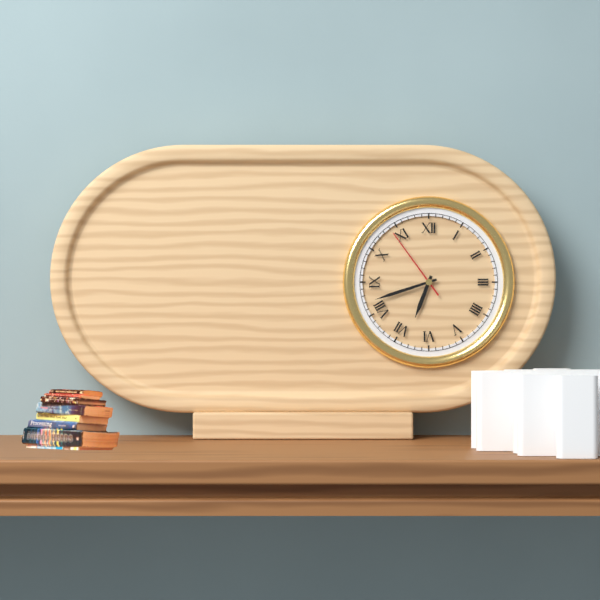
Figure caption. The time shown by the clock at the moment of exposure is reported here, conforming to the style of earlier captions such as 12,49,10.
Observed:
6,42,54
